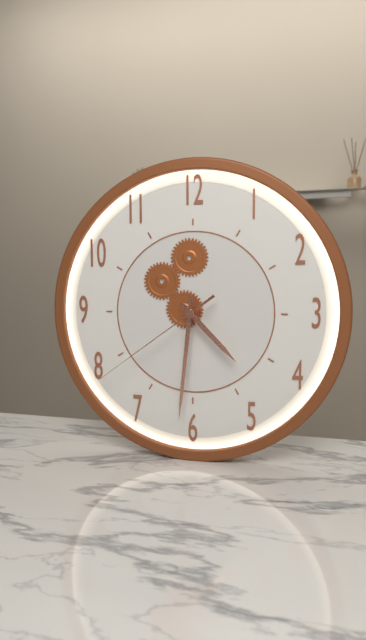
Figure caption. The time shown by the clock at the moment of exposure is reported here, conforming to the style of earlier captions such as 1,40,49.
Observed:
4,31,39
